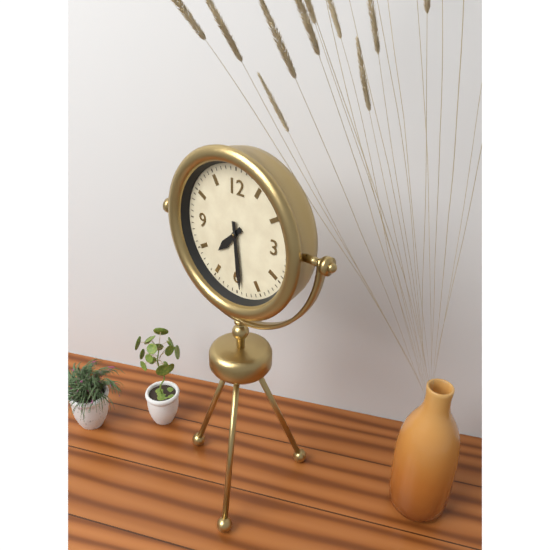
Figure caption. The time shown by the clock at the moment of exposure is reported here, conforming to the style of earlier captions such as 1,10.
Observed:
7,29
